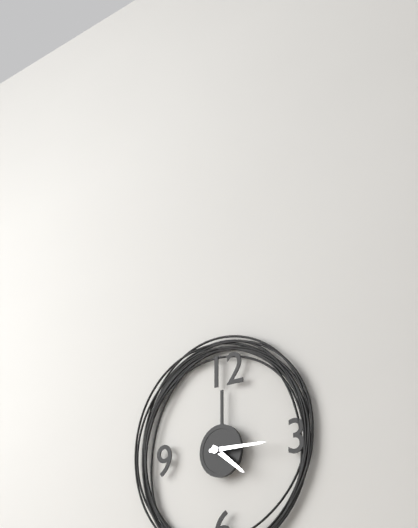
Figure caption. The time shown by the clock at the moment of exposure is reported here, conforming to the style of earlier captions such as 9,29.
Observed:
4,15
